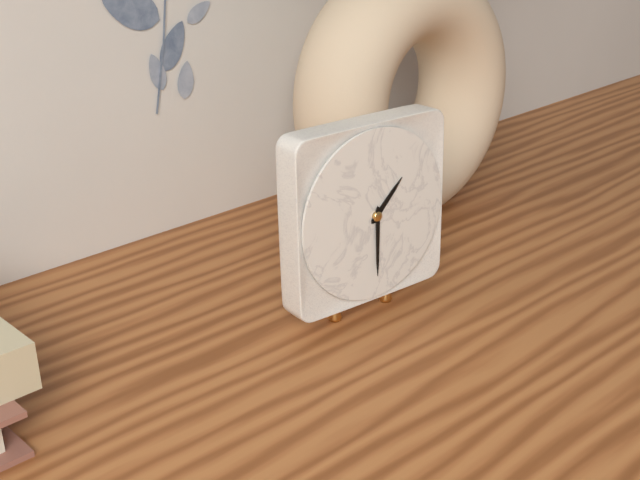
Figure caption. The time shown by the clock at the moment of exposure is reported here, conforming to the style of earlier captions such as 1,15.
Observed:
1,30
